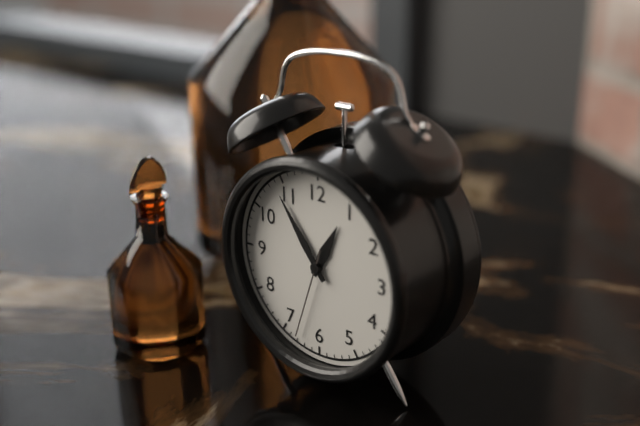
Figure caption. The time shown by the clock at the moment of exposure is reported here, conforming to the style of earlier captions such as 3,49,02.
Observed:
12,54,33
